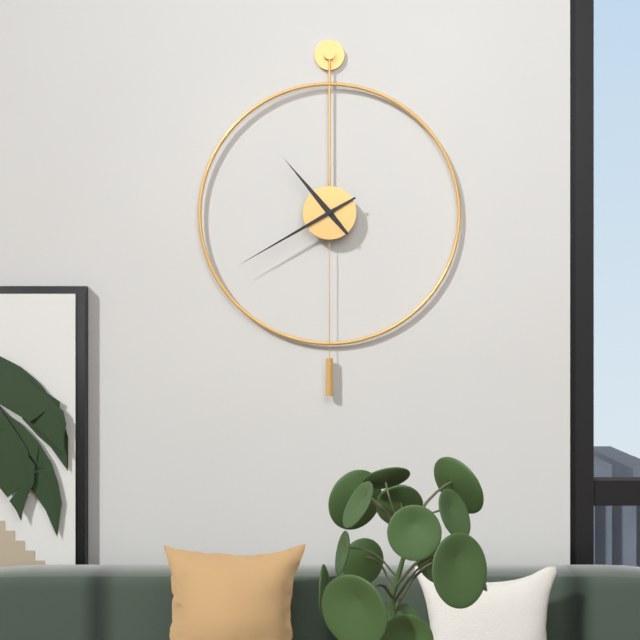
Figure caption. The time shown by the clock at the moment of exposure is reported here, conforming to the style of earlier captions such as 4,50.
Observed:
10,40
